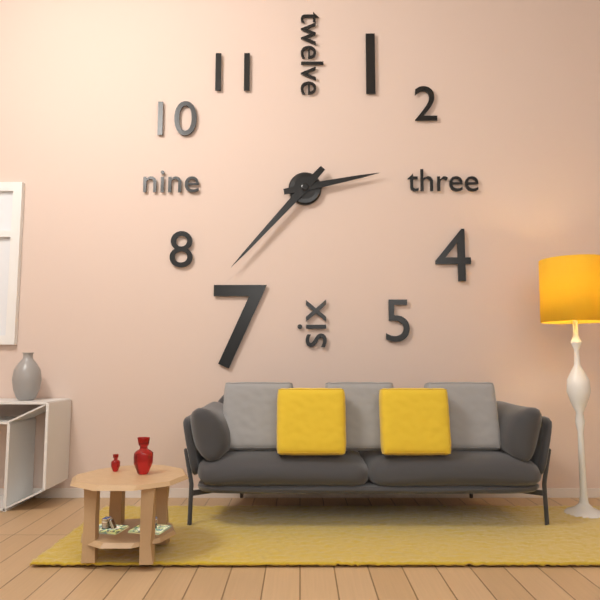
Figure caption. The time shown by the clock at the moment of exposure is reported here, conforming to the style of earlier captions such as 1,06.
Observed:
2,37
